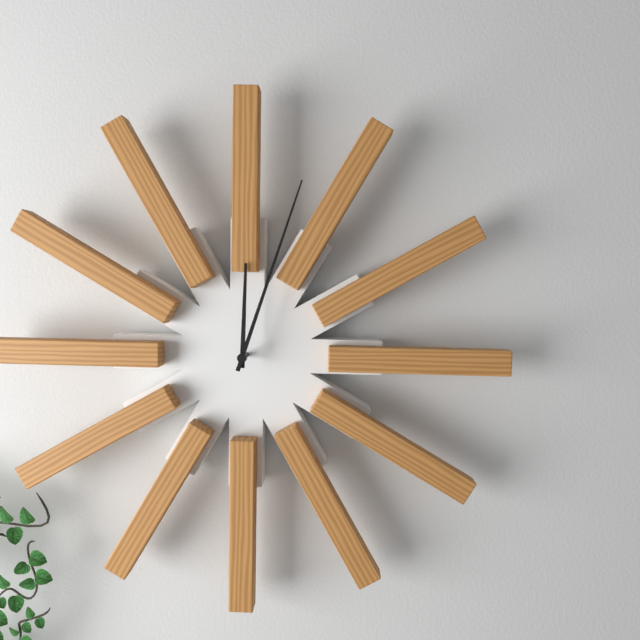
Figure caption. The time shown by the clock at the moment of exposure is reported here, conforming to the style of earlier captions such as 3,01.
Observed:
12,03
